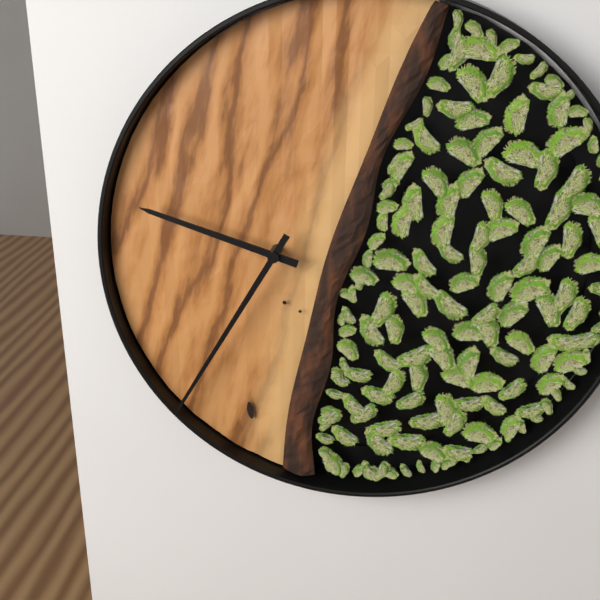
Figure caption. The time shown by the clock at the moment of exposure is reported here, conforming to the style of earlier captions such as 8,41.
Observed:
9,35
